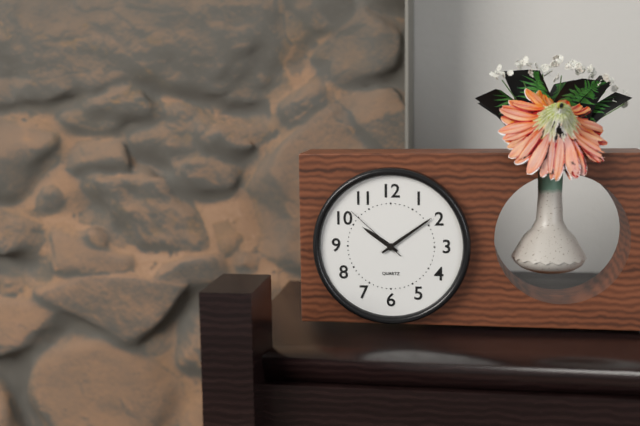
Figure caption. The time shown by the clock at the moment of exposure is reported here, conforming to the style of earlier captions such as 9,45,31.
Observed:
10,09,52
